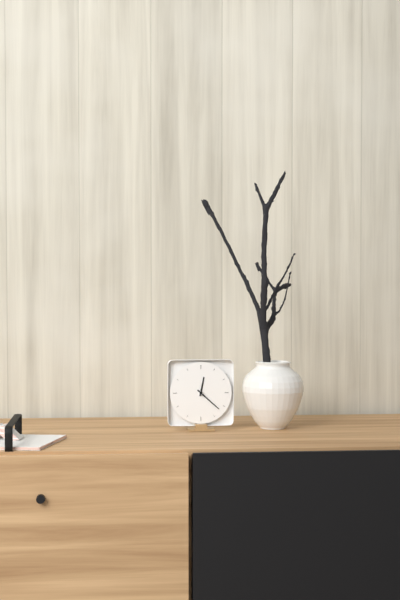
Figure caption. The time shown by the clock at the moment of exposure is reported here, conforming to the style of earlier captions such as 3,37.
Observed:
12,22
